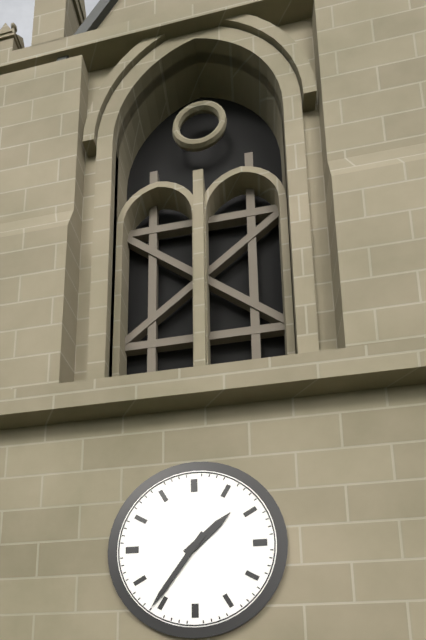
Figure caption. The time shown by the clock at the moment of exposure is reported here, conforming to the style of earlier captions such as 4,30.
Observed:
1,36
